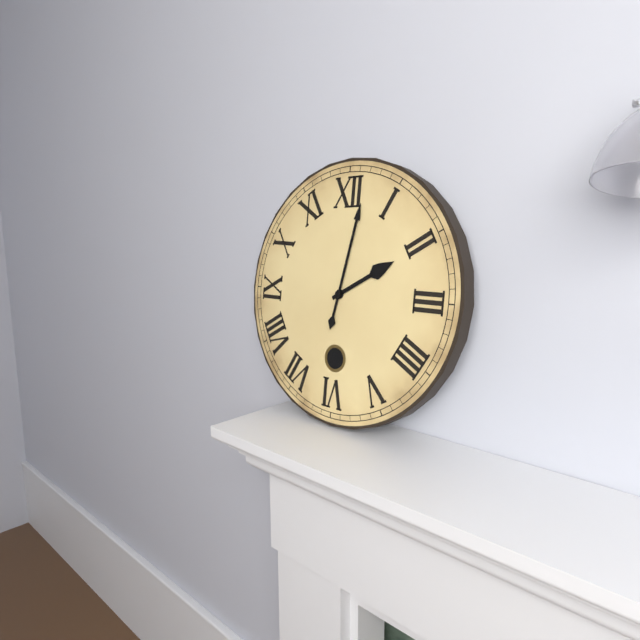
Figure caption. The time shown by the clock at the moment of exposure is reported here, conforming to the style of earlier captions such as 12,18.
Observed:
2,02
